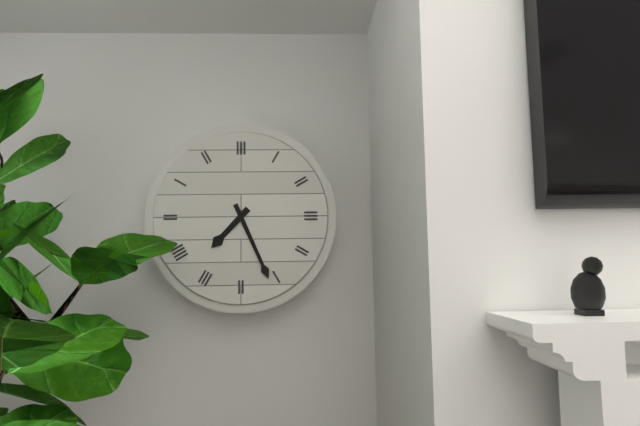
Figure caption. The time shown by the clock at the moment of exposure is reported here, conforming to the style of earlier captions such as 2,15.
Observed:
7,26
